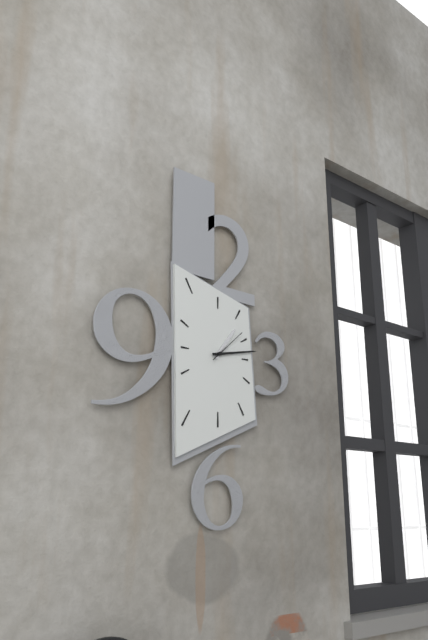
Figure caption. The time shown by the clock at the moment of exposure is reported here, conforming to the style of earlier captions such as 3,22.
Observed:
1,13
